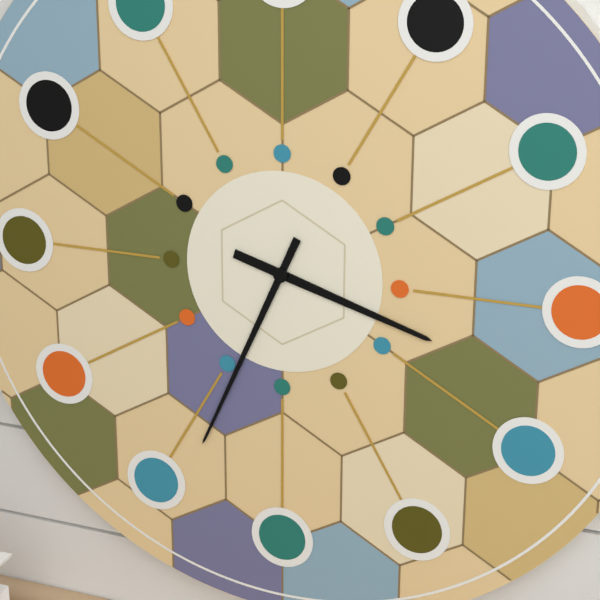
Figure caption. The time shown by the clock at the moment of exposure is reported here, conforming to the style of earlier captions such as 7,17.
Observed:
3,34
